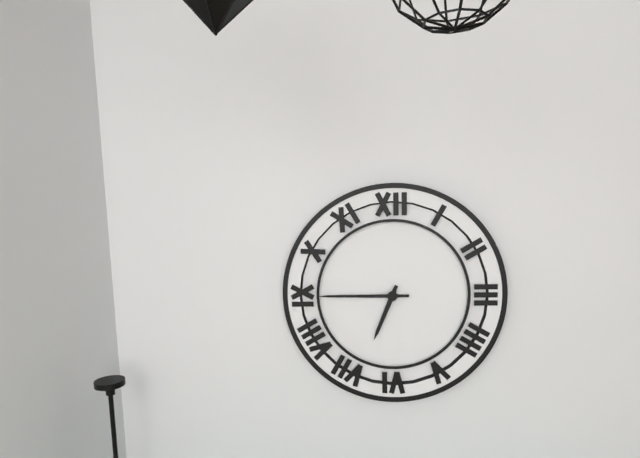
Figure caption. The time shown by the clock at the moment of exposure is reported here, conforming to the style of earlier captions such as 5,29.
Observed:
6,45
